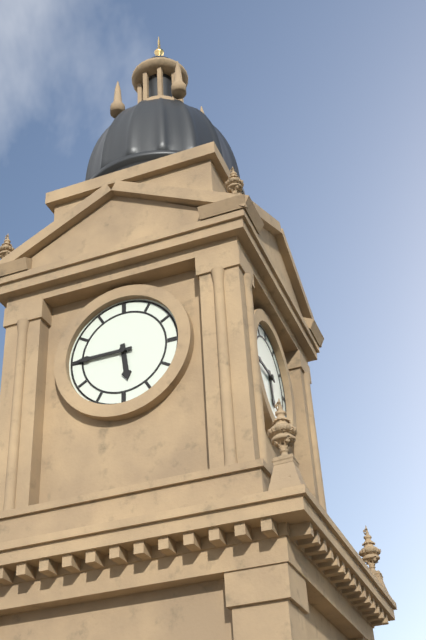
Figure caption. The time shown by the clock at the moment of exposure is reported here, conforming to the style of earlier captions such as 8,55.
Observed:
5,45
